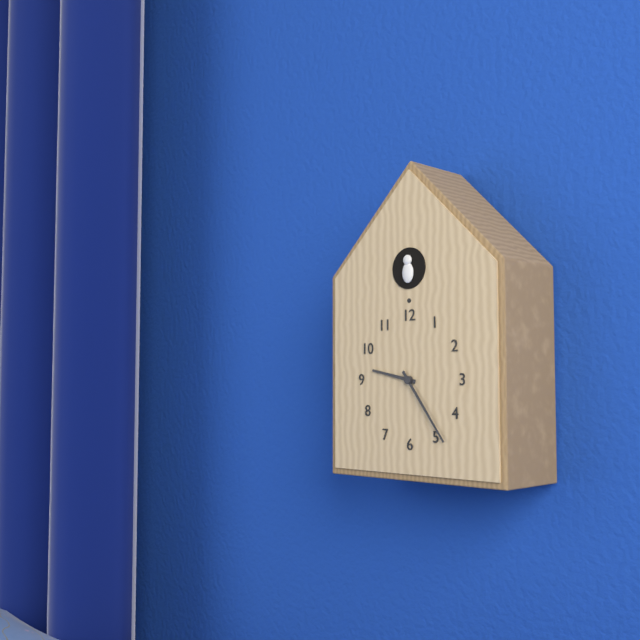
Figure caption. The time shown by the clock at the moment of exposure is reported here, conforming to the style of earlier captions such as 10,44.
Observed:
9,24
